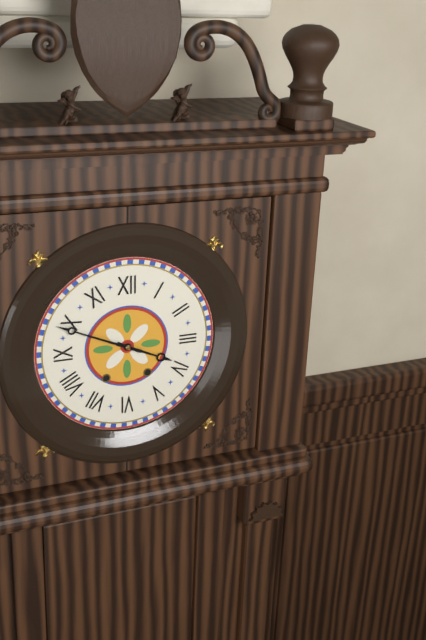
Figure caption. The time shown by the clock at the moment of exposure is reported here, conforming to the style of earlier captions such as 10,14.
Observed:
3,49
